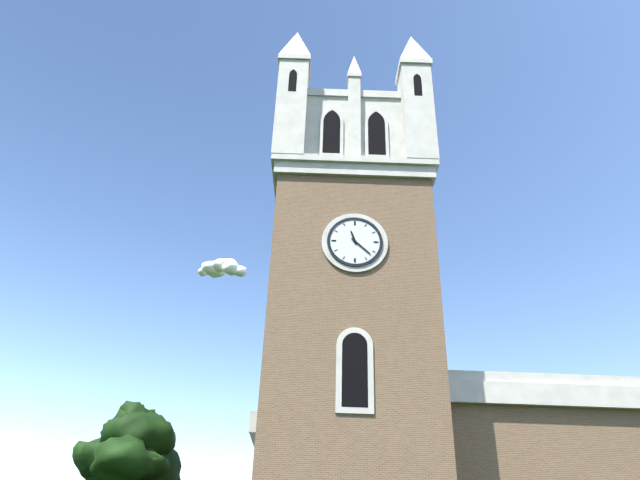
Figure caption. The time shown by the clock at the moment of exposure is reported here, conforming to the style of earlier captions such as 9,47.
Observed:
11,22
